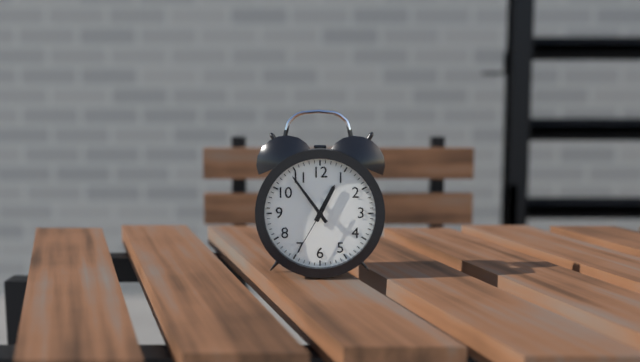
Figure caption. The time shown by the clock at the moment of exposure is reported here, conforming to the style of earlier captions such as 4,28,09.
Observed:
12,54,35
